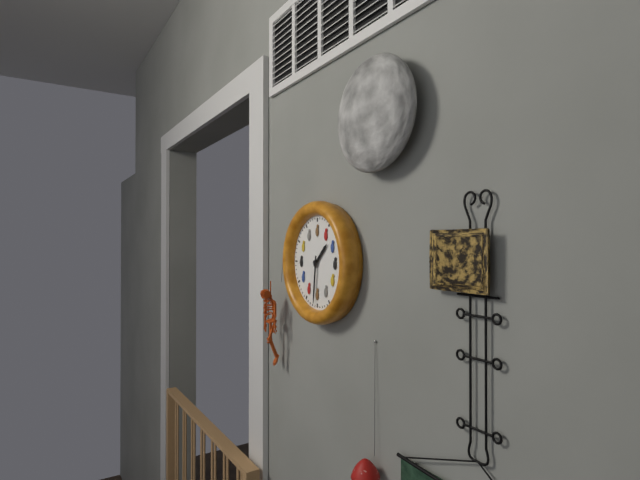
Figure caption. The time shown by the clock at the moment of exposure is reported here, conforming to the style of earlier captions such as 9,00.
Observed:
1,31
